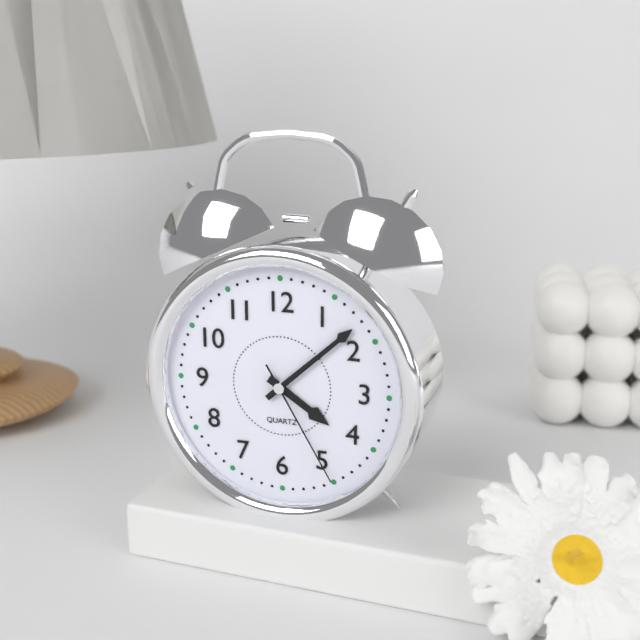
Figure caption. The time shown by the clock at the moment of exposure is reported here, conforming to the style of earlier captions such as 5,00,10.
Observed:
4,08,25
